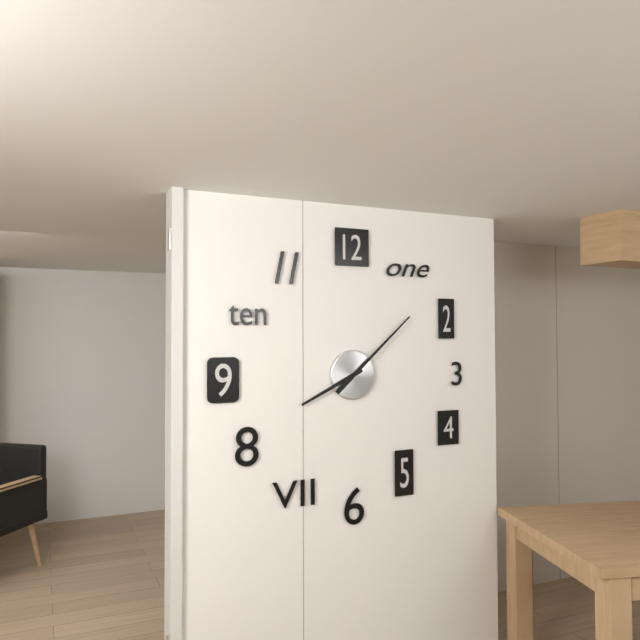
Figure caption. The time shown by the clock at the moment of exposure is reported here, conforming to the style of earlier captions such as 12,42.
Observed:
8,08
